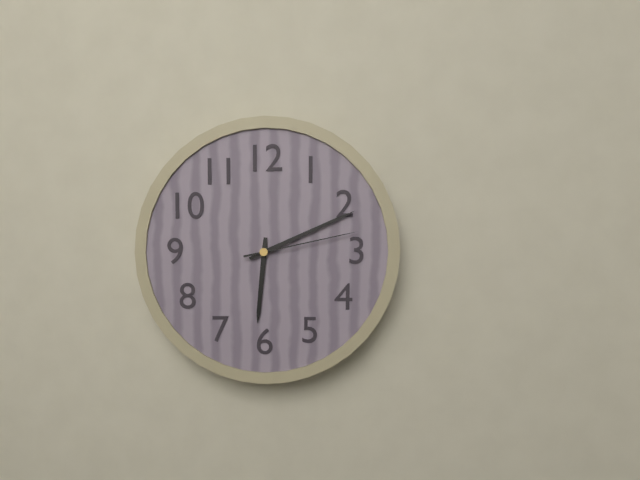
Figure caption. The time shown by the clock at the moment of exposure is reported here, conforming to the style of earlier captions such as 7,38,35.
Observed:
6,11,13
